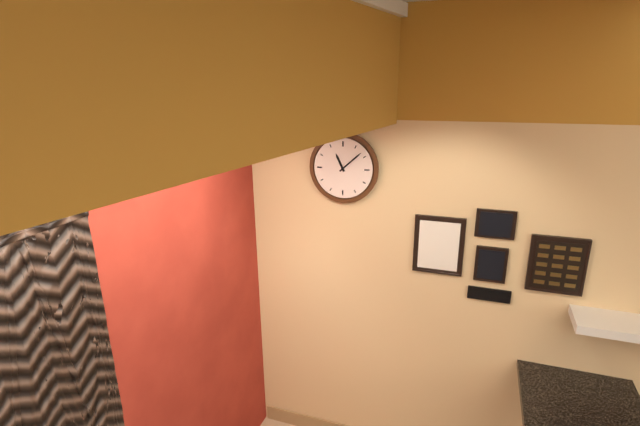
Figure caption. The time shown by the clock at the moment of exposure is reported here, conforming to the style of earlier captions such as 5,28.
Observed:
11,08
